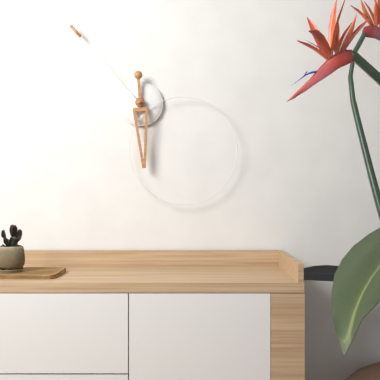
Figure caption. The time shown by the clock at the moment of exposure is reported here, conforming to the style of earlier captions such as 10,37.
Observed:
5,53
